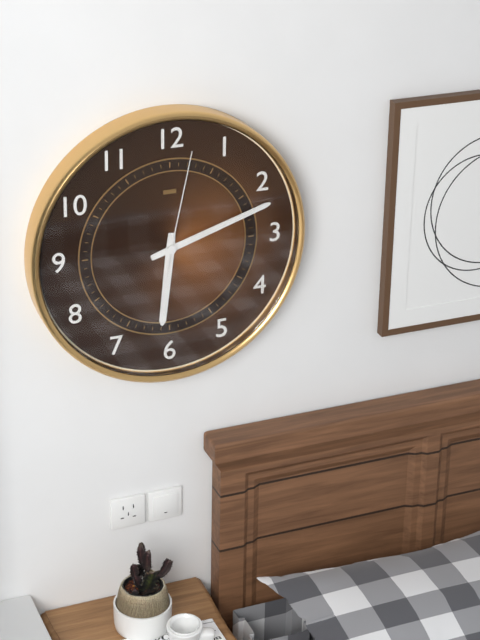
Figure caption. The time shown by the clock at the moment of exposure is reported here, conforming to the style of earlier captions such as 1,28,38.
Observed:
6,12,02
